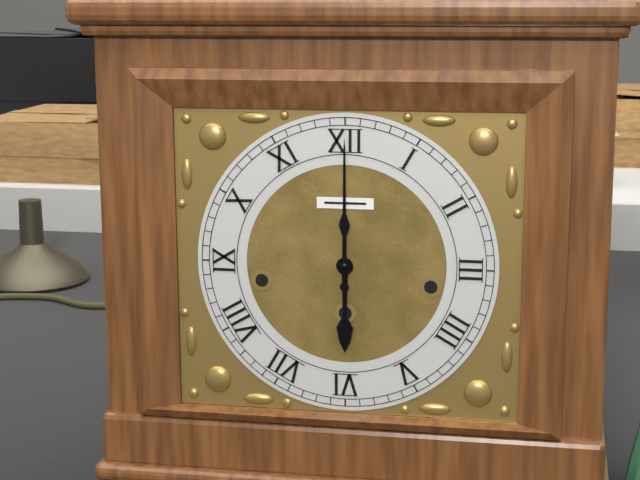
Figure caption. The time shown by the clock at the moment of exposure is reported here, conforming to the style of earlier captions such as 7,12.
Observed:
6,00
